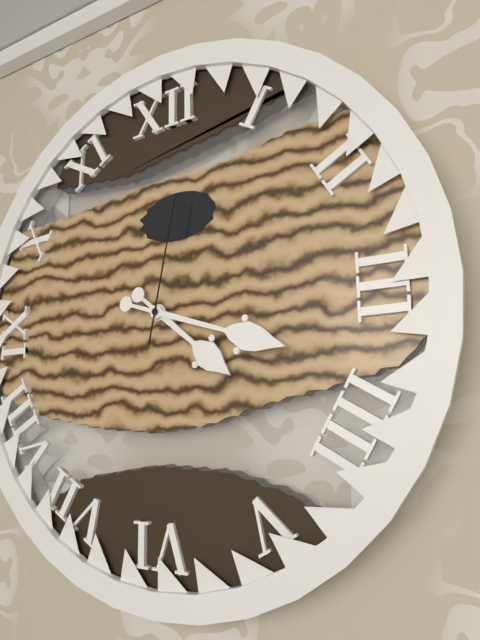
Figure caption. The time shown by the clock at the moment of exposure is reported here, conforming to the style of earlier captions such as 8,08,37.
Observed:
4,18,02
